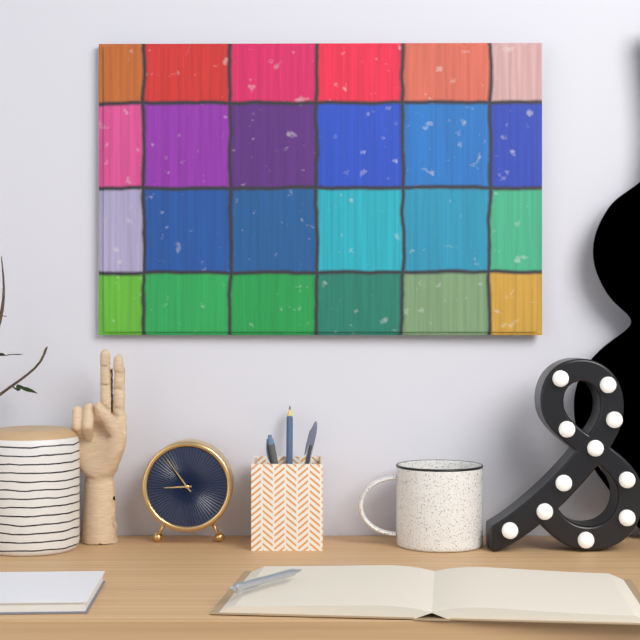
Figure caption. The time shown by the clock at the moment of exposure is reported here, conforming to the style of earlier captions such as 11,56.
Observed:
8,54
